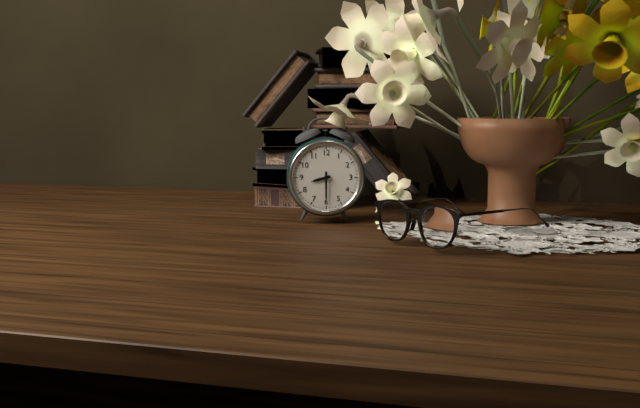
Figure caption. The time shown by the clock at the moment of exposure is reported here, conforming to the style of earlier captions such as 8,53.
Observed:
8,30
